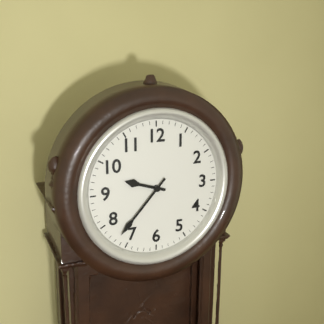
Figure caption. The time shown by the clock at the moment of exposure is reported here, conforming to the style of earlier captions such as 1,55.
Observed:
9,37
